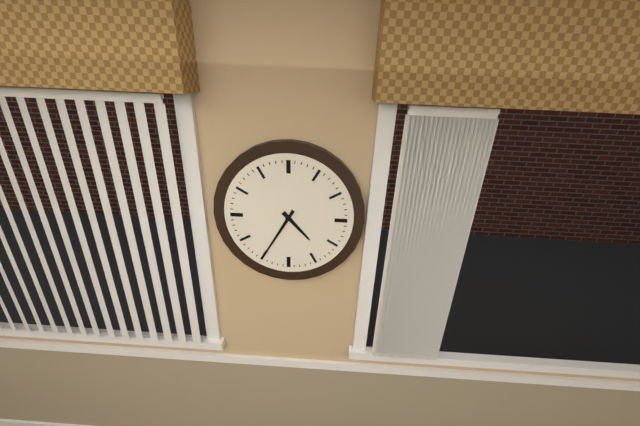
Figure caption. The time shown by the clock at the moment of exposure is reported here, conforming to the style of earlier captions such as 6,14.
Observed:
4,35
